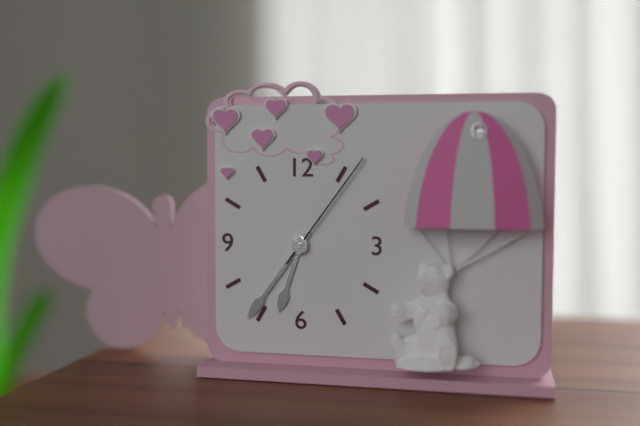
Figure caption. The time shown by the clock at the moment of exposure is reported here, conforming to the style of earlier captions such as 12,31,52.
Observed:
6,36,06
